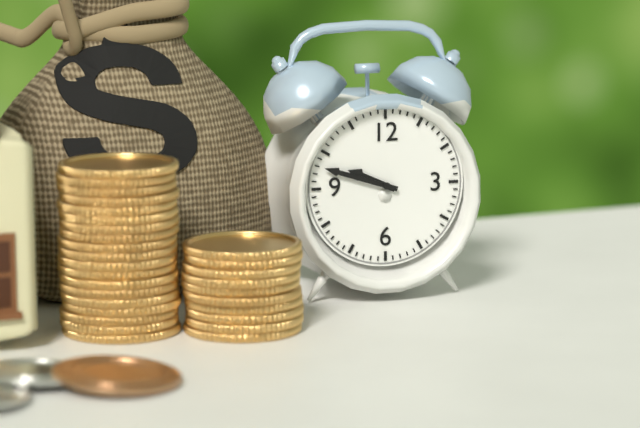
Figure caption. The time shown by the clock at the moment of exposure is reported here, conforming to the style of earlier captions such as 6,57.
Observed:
9,48
